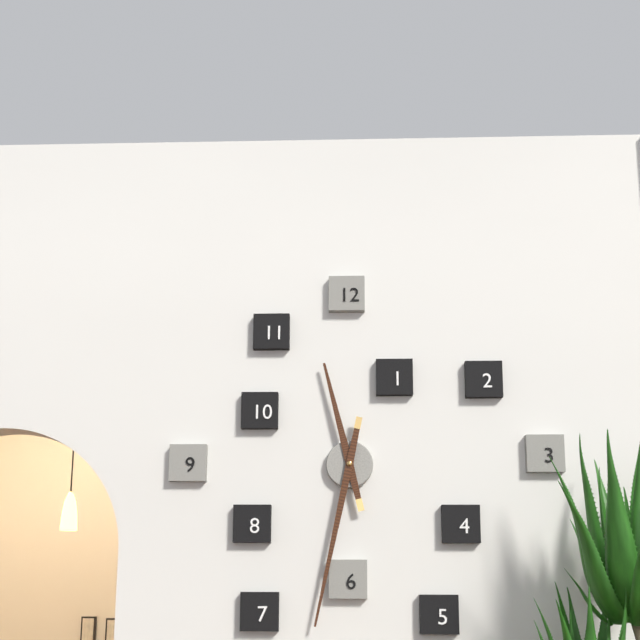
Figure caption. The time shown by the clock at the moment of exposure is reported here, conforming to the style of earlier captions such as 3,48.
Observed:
11,32
